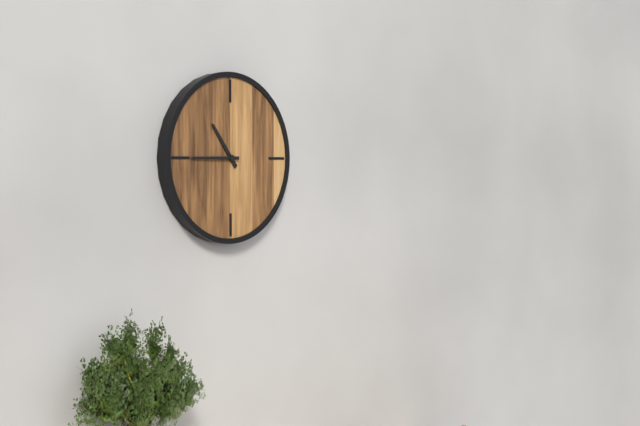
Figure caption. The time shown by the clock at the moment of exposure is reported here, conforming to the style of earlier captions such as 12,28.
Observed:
10,45
